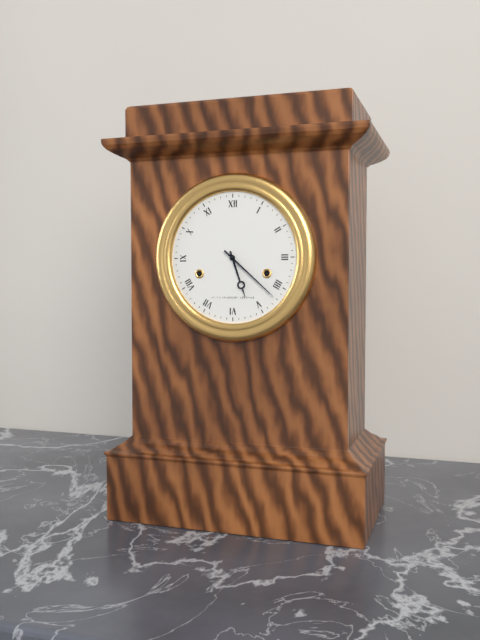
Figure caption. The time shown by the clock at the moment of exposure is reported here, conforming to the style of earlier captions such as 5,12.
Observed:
5,22
